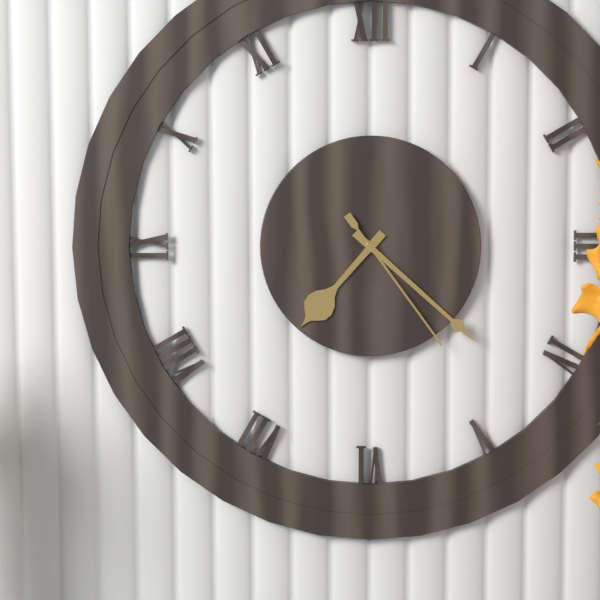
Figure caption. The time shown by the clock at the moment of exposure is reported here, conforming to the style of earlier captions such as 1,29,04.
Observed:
7,22,24
